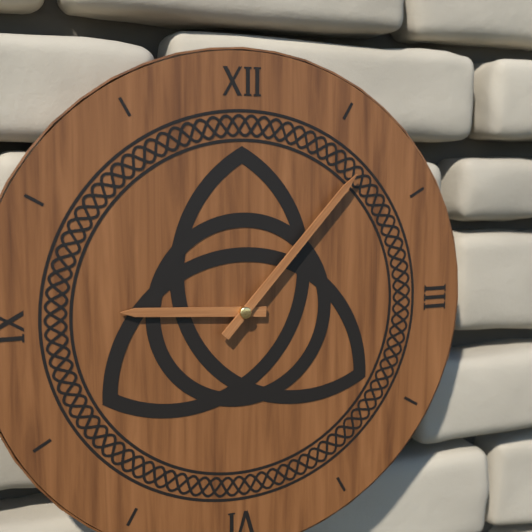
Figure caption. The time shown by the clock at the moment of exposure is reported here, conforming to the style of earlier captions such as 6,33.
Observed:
9,07
